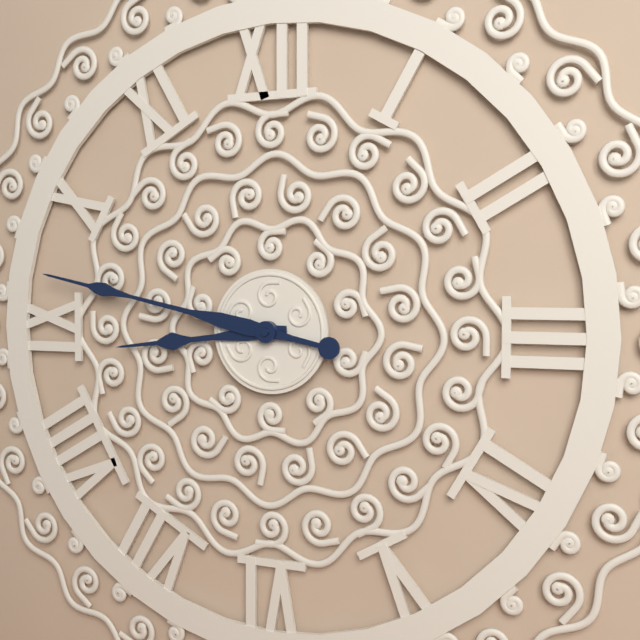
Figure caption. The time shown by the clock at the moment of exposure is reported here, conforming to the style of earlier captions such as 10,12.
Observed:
8,47
